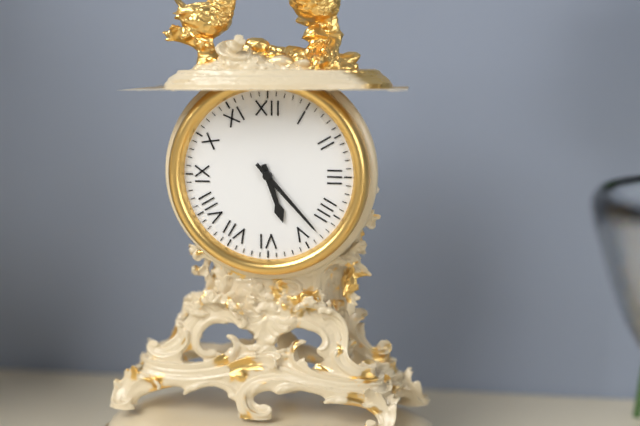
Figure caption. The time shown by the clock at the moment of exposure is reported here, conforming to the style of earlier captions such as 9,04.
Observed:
5,23
